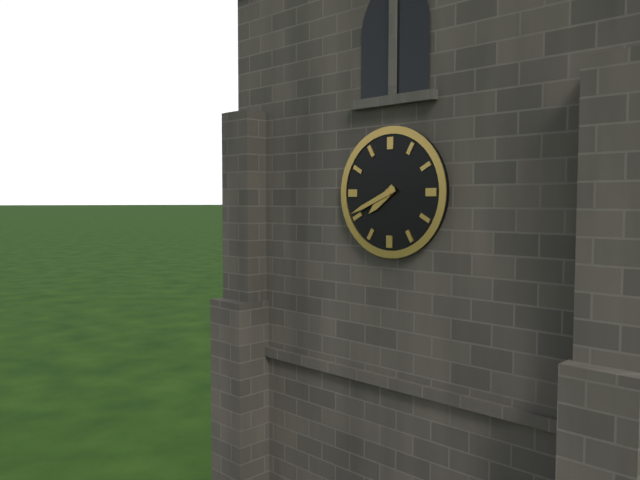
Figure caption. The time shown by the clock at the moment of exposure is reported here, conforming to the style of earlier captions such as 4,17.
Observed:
7,41
